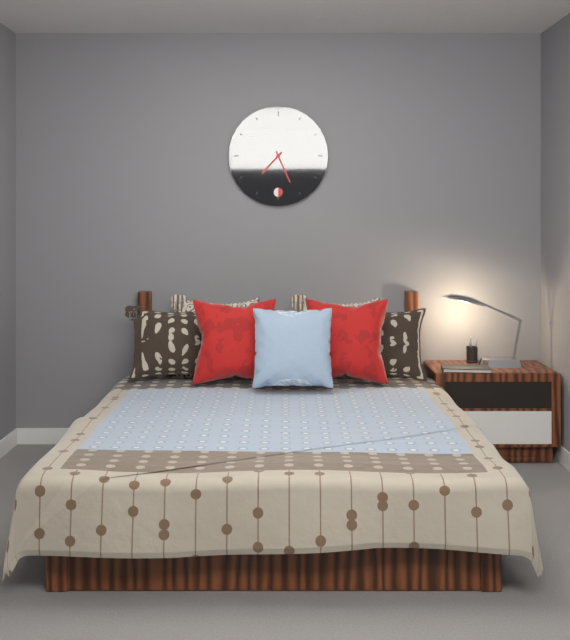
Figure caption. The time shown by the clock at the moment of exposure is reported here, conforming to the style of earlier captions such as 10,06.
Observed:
7,26
